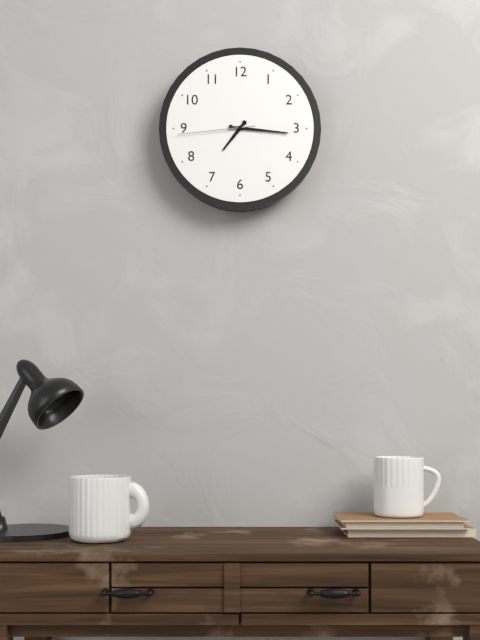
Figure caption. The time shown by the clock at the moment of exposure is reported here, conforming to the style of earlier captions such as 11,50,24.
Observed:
7,16,44
